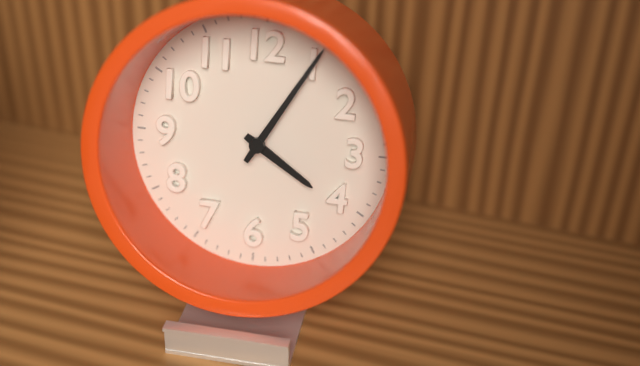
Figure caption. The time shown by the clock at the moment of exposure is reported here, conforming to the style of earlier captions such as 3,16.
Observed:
4,05
